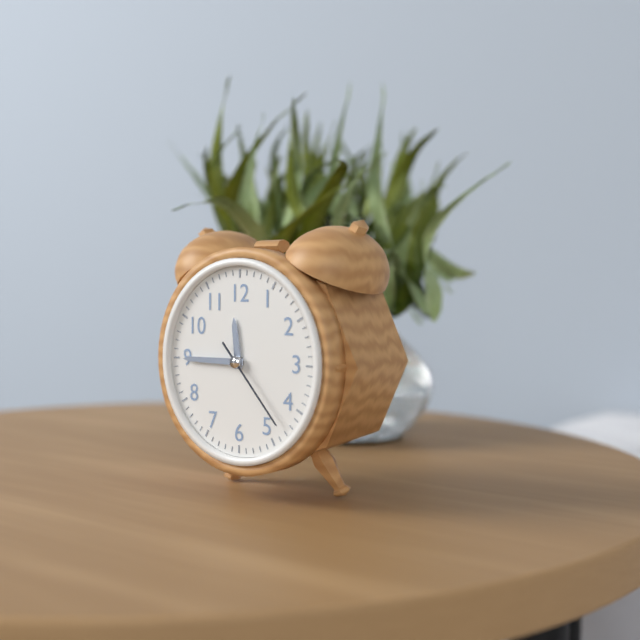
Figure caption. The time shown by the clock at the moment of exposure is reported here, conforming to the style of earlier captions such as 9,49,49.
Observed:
11,45,23
